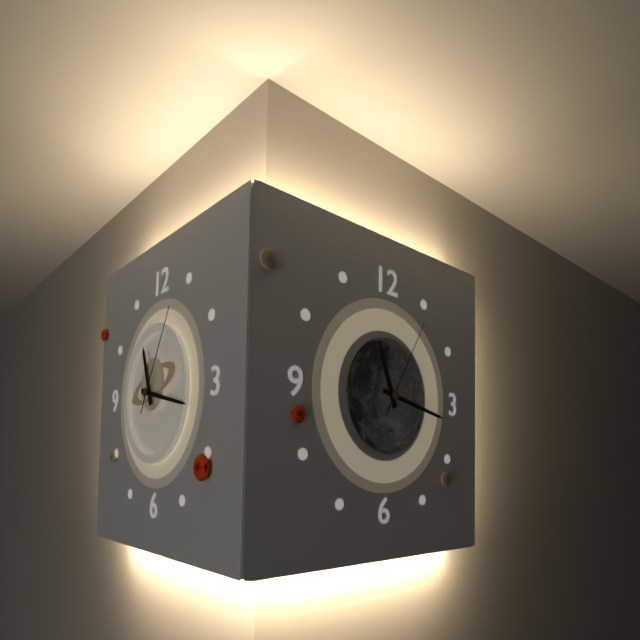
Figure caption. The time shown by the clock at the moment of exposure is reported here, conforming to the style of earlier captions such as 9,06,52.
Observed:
11,17,05
